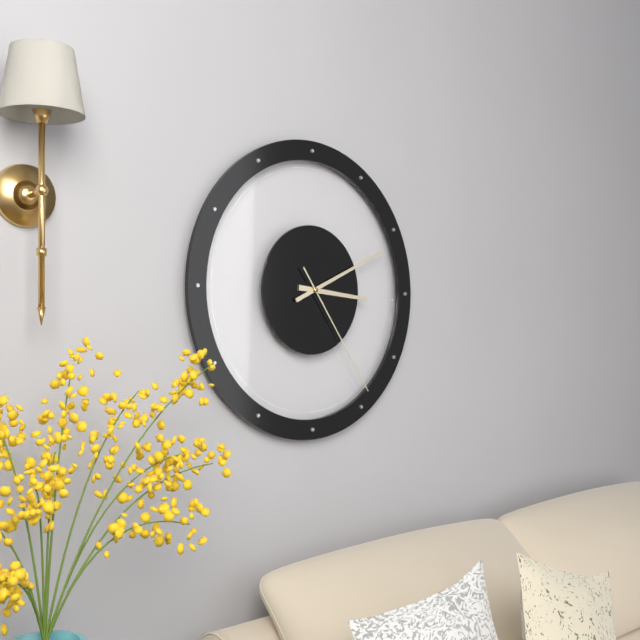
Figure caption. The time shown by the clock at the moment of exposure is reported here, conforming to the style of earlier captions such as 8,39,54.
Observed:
3,11,24
